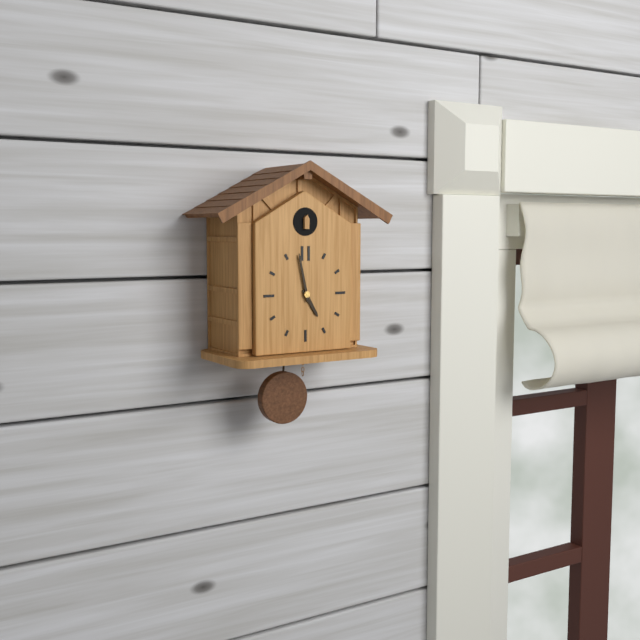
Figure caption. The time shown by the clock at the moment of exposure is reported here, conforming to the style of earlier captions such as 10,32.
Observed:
4,58
